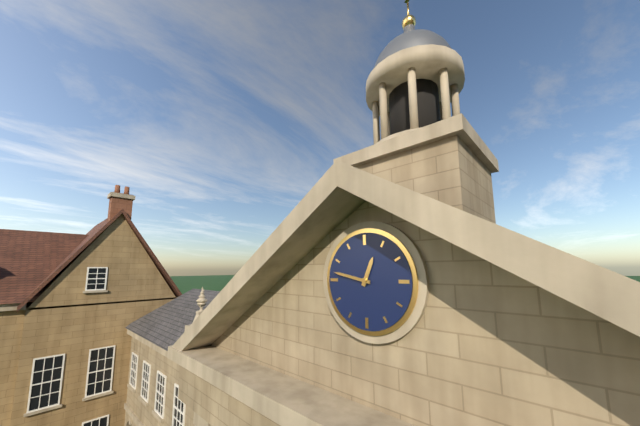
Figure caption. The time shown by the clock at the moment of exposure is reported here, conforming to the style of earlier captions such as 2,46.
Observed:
12,47
